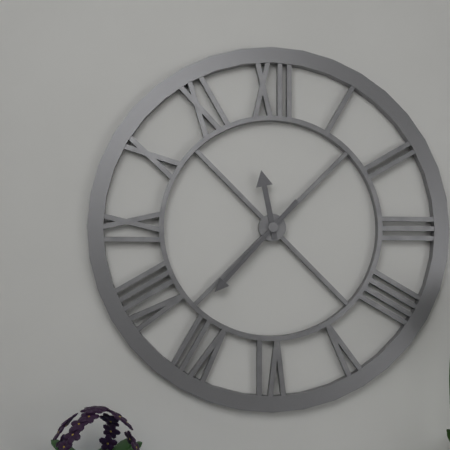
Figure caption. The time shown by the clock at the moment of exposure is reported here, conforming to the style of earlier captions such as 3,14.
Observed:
11,37
